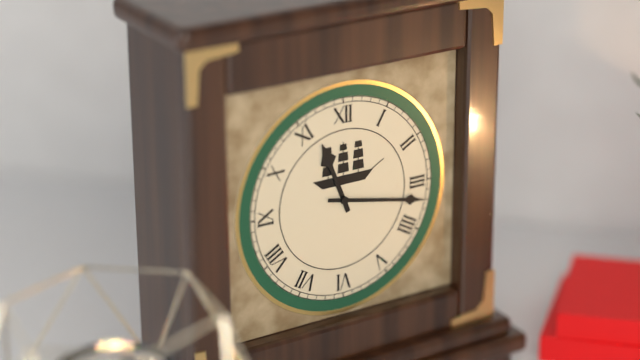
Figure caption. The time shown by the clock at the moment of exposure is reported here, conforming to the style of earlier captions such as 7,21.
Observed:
11,17
